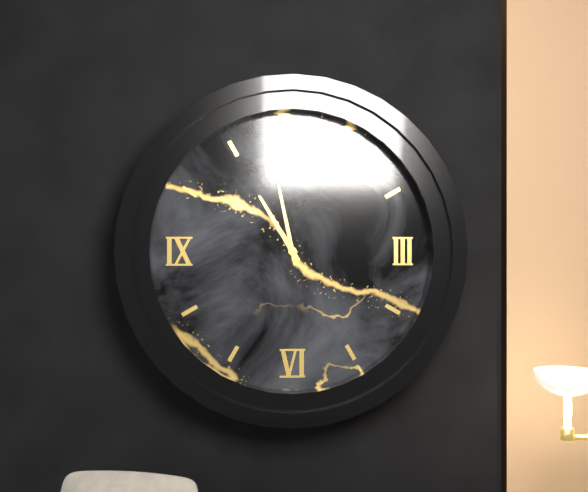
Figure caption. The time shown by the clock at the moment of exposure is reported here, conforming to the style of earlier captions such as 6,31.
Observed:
10,58
